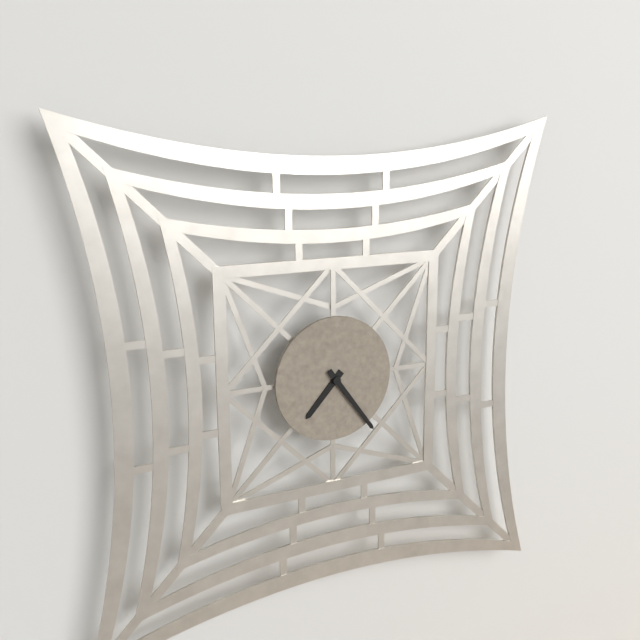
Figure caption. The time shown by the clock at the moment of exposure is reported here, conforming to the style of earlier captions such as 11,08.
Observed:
7,24
